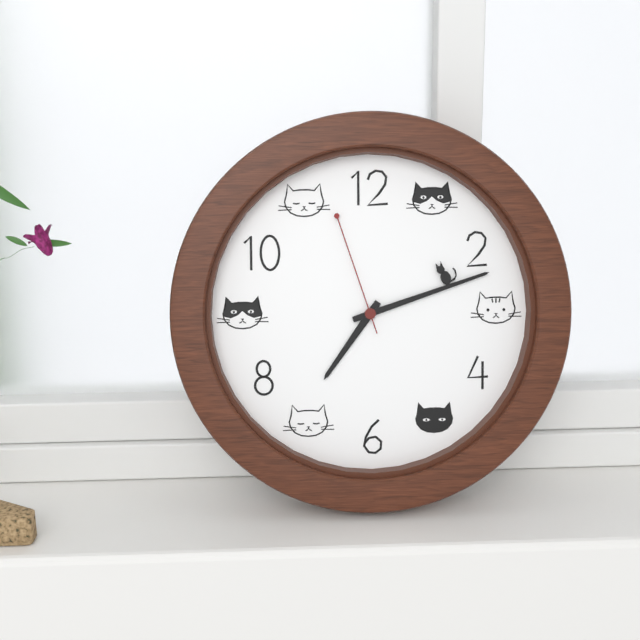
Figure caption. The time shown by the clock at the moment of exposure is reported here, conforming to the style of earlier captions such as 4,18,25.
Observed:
7,12,57
